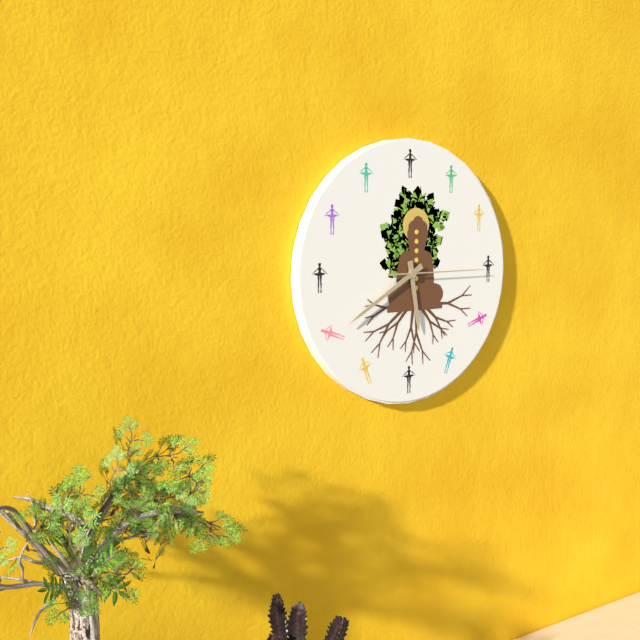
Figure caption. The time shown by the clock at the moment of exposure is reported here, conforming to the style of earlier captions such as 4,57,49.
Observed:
5,40,15
